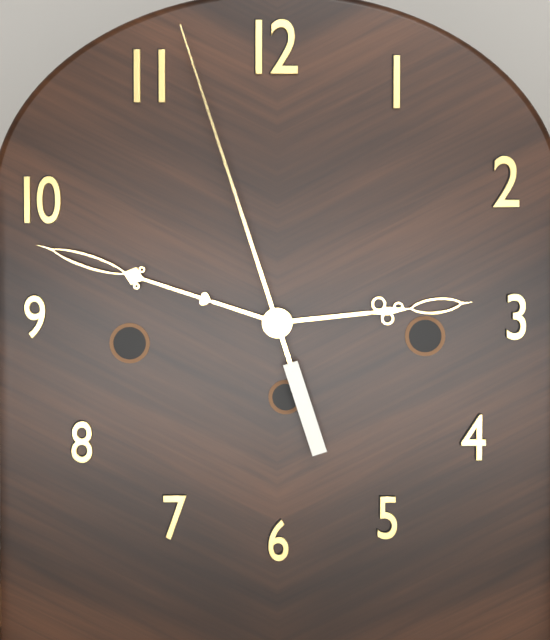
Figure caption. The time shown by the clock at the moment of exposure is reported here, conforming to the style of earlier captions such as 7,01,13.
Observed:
2,48,57
